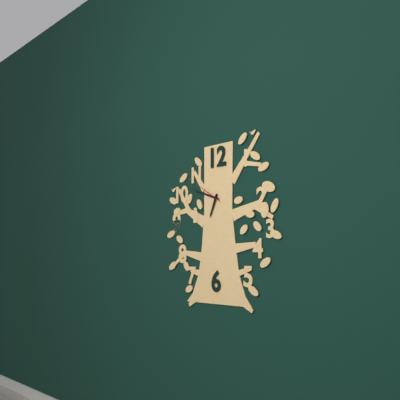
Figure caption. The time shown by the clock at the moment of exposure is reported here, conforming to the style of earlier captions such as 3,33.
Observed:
6,48
